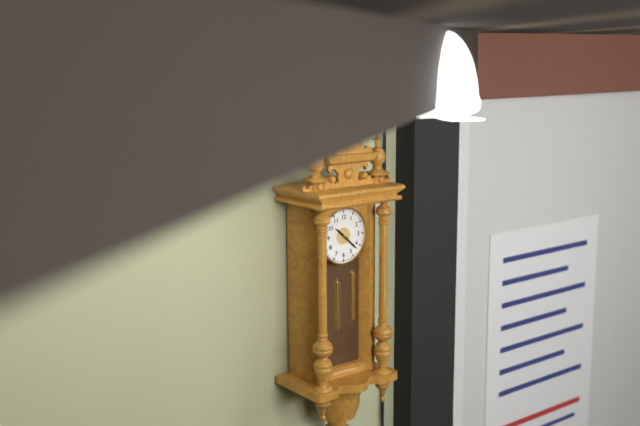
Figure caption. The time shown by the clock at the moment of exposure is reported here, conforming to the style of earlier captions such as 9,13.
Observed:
10,22
